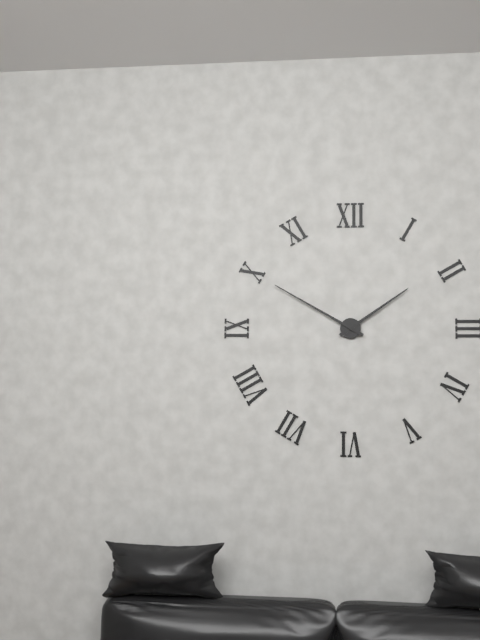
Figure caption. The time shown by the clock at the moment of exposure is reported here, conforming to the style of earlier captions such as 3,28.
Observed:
1,50
